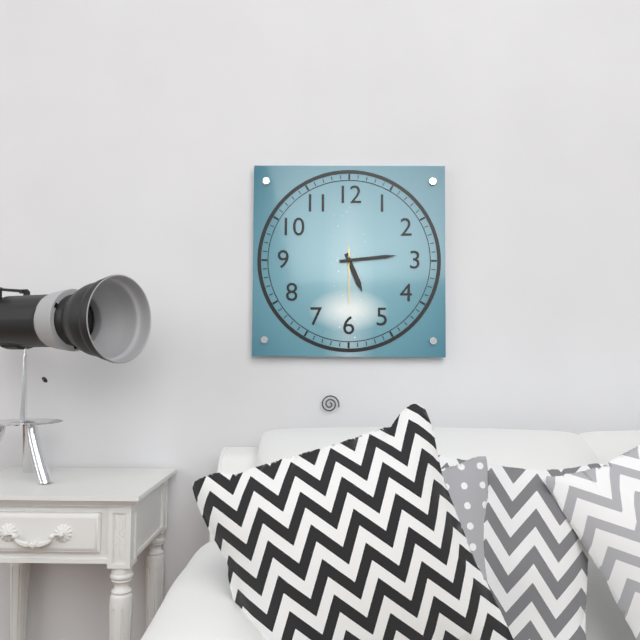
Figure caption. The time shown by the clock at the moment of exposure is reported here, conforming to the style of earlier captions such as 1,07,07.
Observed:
5,14,30
